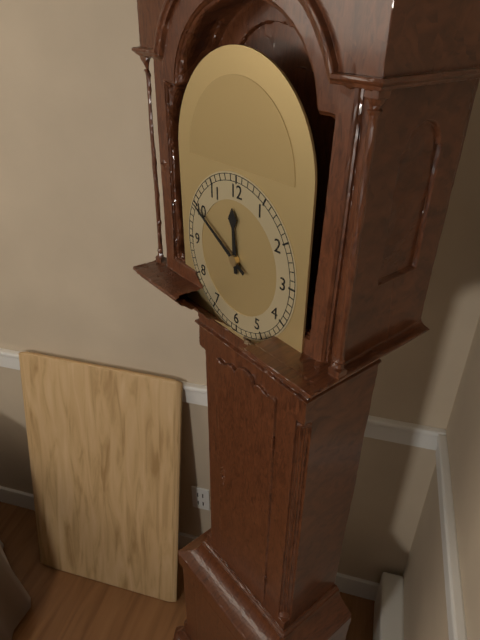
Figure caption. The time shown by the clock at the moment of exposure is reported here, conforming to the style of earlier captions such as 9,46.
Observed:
11,50
